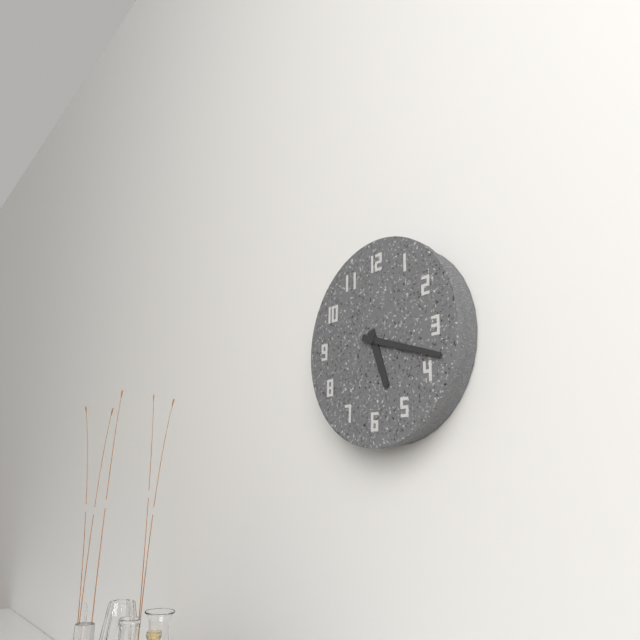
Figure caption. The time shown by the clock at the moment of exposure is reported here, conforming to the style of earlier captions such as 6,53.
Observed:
5,18
